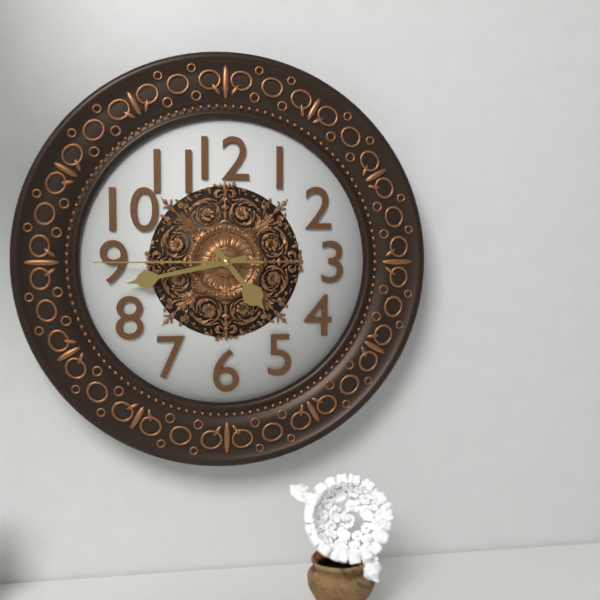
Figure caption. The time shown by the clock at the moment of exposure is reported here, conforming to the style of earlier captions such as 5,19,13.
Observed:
4,43,45
